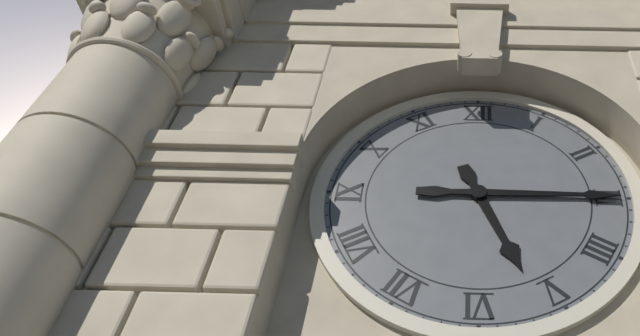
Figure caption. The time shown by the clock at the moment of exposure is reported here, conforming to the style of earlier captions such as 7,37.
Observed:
5,15
